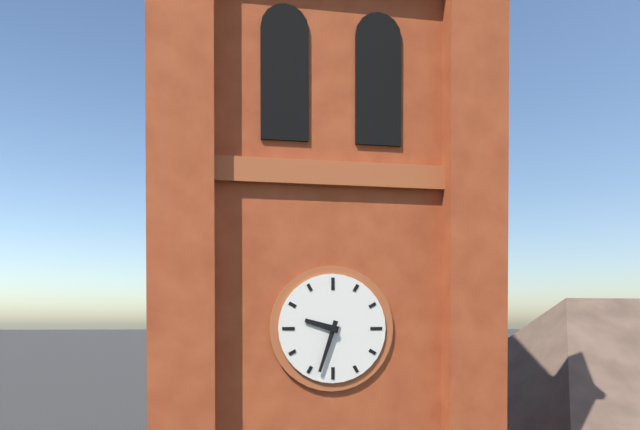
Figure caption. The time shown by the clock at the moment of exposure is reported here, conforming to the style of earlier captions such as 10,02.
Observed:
9,33
